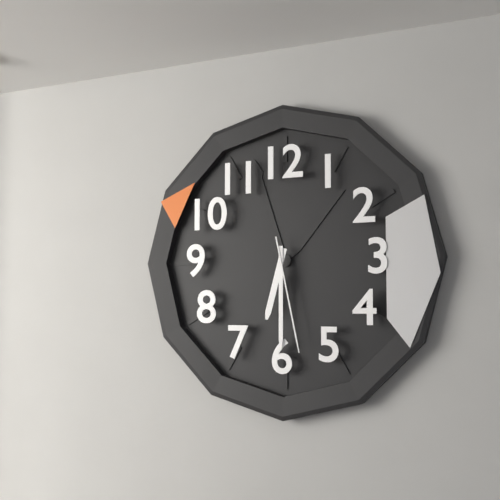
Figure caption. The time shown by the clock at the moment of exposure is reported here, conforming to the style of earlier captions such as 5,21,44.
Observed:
6,30,28
